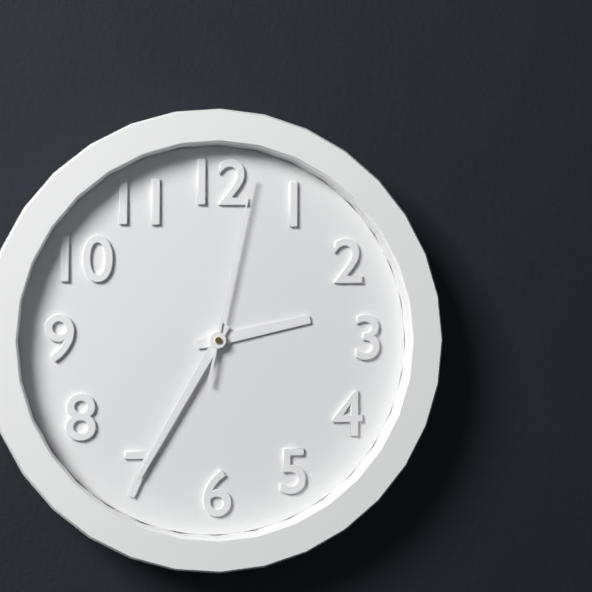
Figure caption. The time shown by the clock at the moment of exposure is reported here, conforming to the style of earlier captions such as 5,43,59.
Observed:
2,35,02
